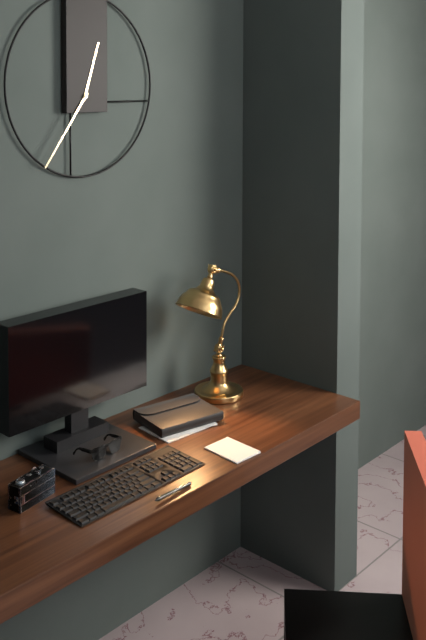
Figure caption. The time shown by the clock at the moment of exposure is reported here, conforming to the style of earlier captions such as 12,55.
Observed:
12,36
